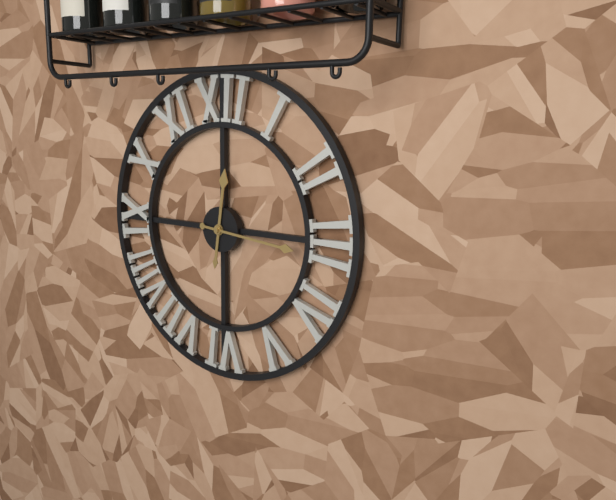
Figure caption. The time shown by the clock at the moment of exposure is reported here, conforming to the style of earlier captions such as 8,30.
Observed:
12,16
